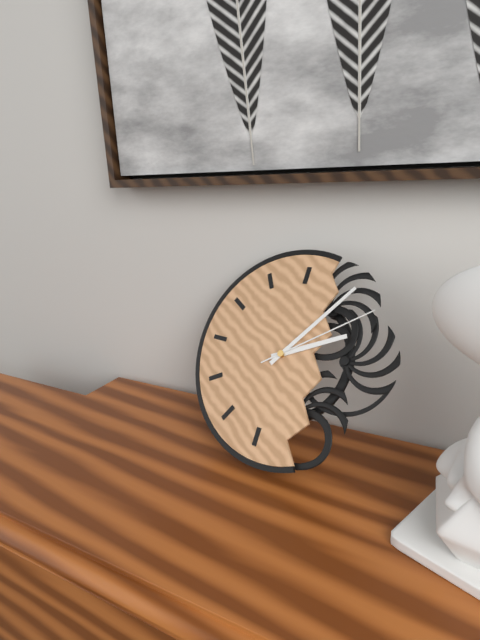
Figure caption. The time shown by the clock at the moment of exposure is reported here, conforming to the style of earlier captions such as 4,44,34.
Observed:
2,06,09
